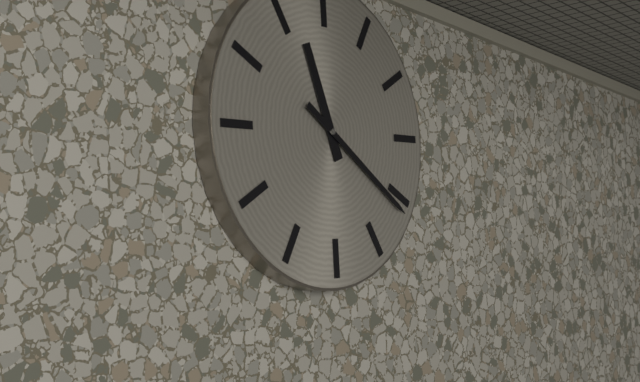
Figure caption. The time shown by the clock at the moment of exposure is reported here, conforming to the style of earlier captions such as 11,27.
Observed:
11,21
